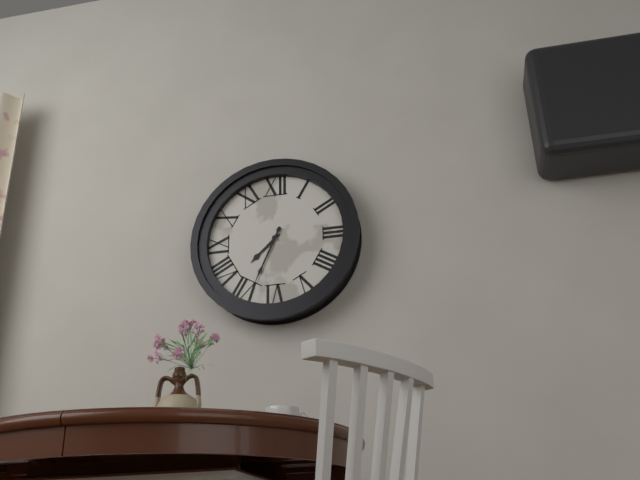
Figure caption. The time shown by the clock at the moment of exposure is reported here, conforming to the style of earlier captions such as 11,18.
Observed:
7,34
